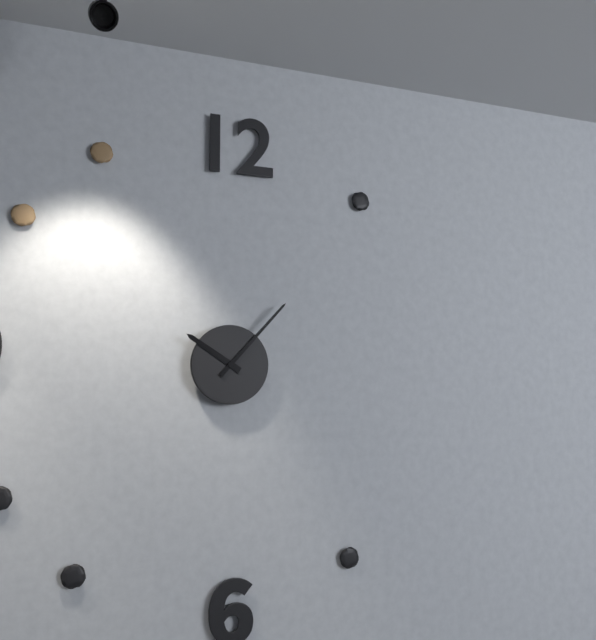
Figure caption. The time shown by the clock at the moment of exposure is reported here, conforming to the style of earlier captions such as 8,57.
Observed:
10,07
